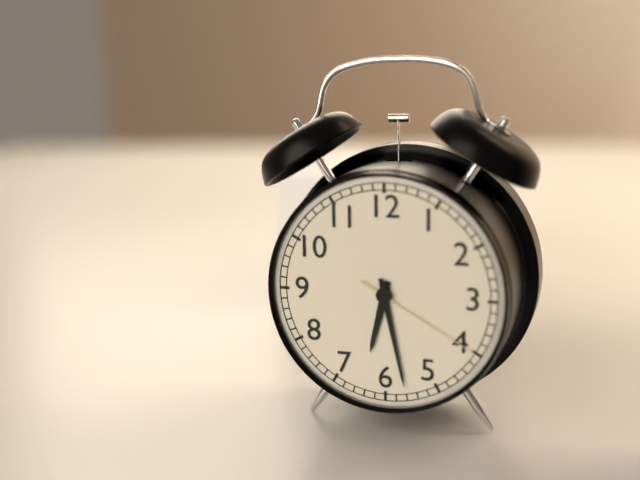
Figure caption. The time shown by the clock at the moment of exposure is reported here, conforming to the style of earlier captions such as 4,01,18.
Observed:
6,28,20
